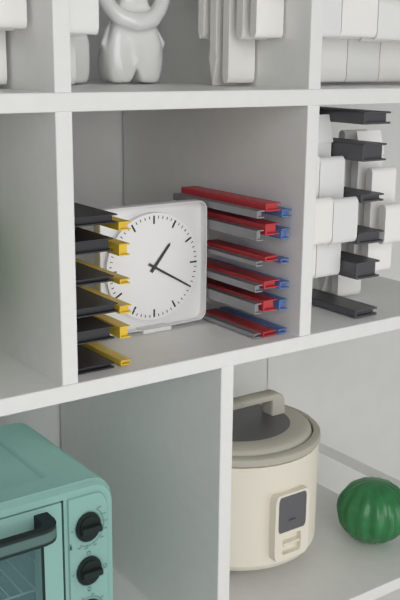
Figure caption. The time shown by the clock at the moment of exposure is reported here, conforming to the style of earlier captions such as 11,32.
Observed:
1,20
